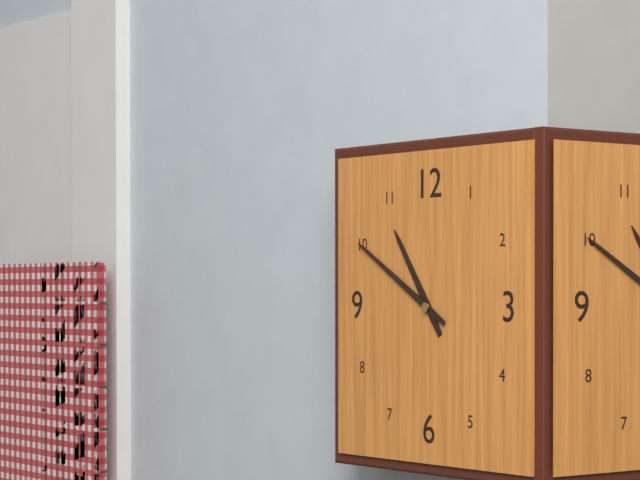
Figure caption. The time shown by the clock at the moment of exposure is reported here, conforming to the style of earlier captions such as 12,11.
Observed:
10,50
